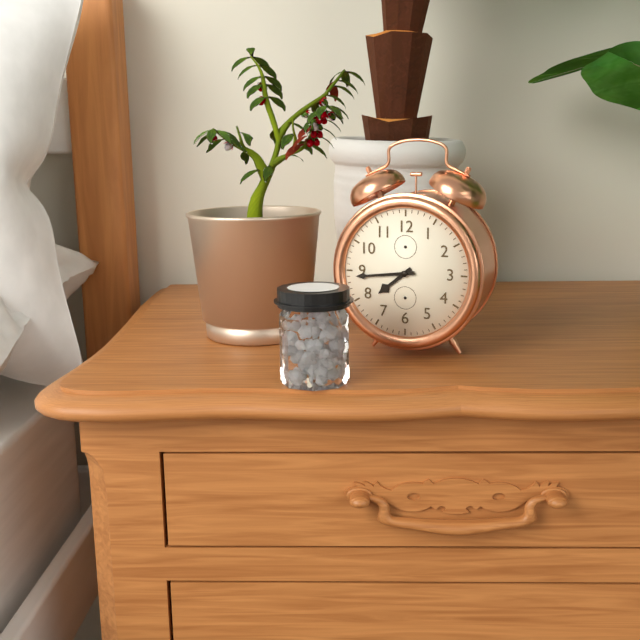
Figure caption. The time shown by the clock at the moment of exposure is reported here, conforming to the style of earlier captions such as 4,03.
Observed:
7,44
